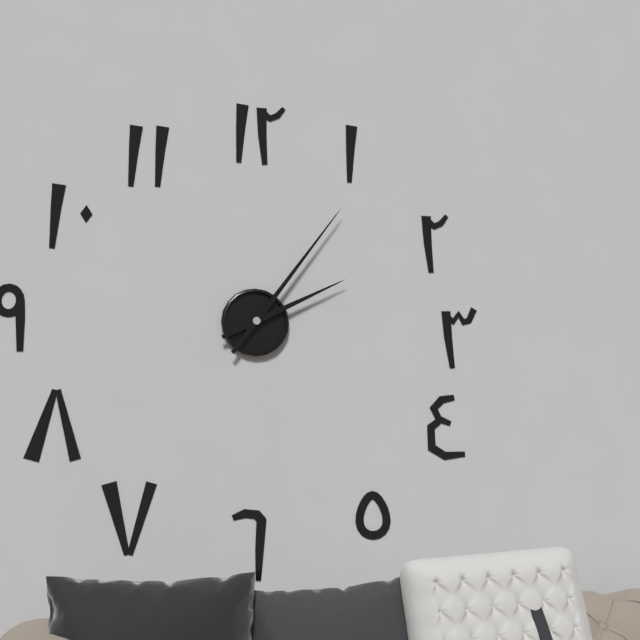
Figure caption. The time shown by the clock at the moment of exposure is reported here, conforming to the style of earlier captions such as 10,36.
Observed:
2,06
